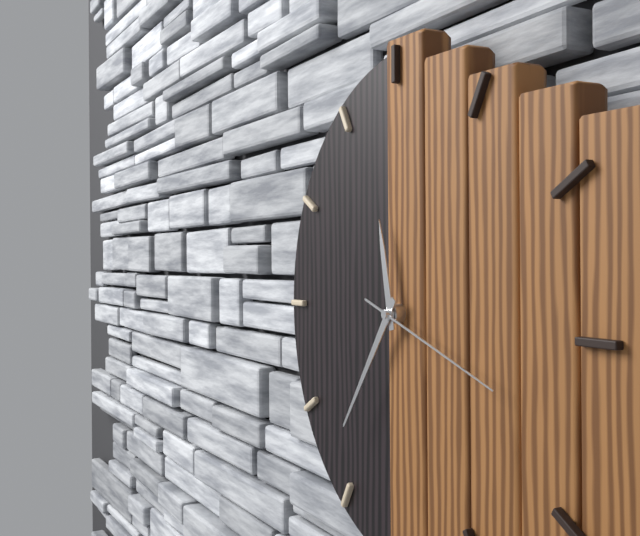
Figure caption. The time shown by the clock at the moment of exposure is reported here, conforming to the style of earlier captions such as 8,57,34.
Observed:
11,36,18
